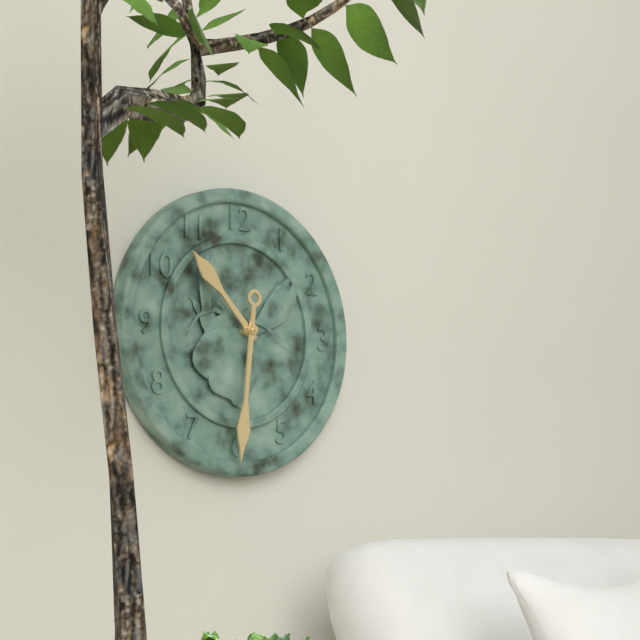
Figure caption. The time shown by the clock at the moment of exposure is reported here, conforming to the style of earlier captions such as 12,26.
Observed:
10,31
